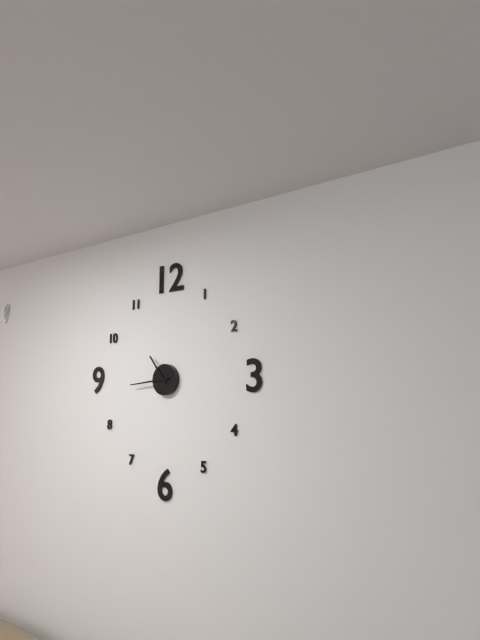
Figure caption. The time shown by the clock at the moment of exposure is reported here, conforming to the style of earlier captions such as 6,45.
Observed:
10,44
